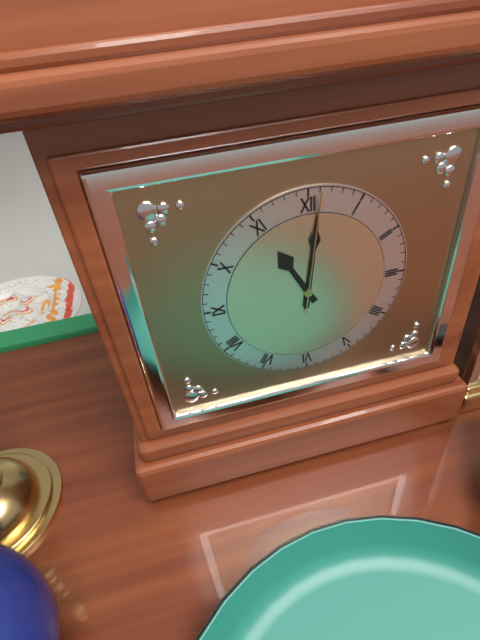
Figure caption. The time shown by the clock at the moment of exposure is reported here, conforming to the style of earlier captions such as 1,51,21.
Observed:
11,01,01
